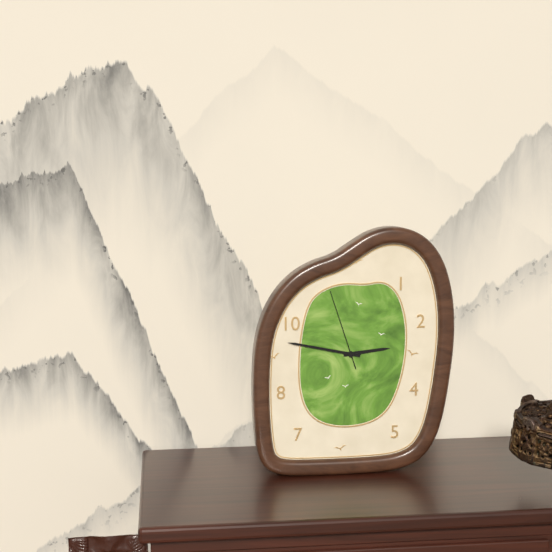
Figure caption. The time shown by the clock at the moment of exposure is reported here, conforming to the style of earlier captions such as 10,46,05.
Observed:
2,47,57
